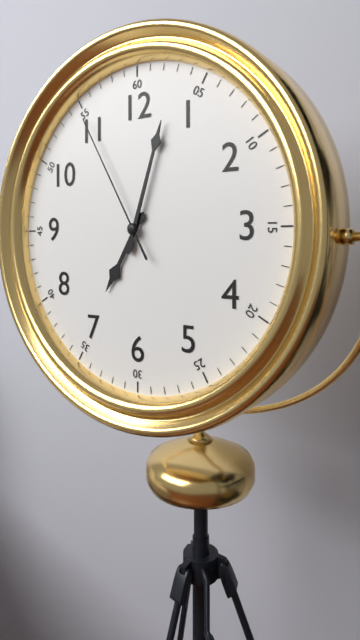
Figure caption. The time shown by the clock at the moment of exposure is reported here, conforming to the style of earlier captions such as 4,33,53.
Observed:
7,03,55
